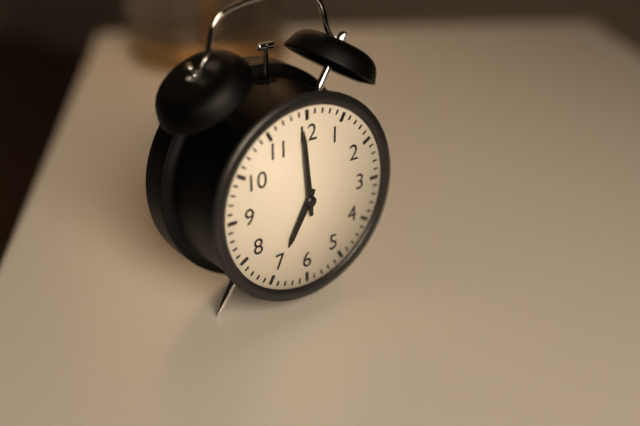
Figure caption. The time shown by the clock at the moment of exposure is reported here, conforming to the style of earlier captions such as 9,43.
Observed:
6,59
